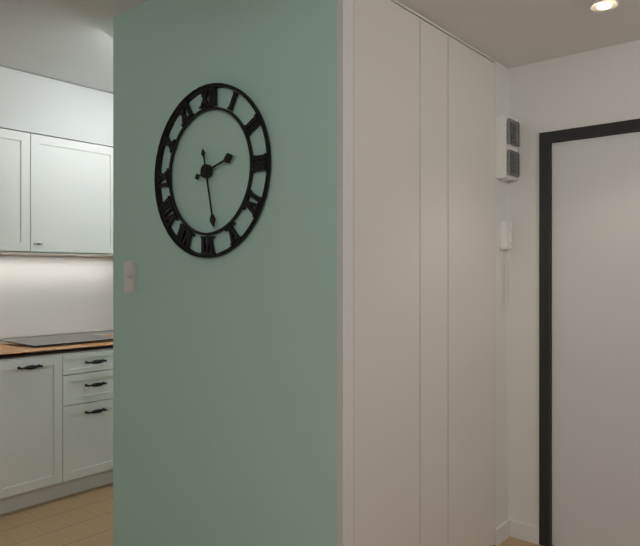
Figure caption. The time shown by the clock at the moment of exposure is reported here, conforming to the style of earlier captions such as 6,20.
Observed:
2,28
